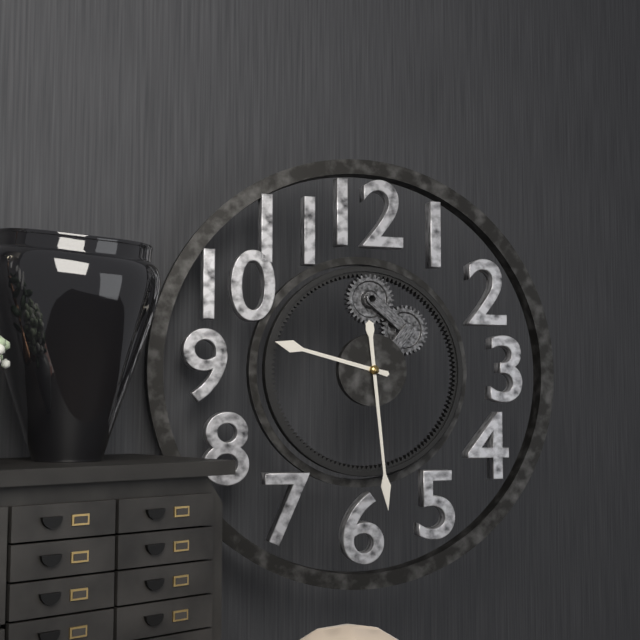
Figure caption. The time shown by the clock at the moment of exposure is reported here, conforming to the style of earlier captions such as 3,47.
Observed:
9,29
